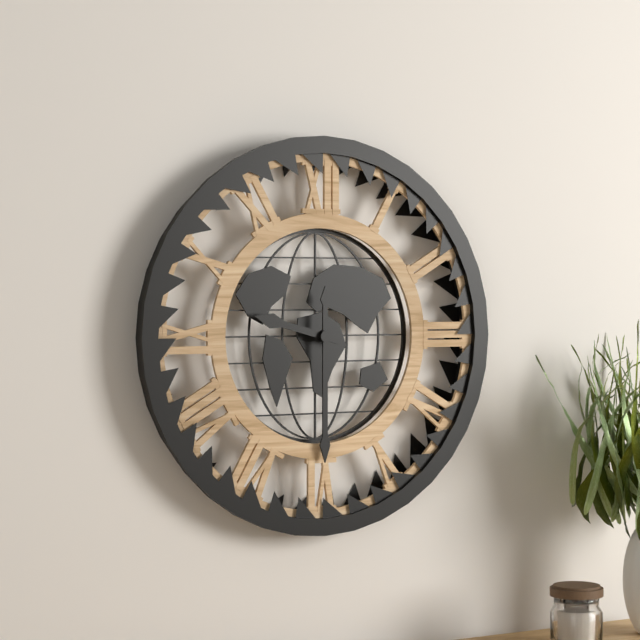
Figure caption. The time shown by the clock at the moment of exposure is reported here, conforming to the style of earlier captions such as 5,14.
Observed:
9,30
